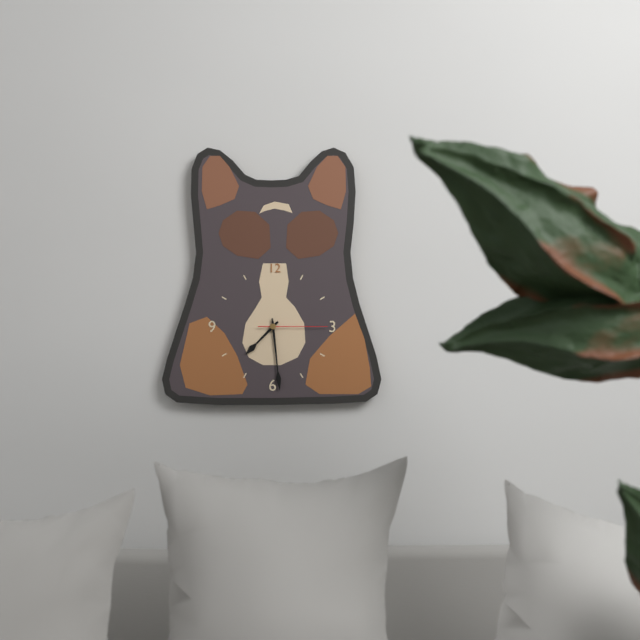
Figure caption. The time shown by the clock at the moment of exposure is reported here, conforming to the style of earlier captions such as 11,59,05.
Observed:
7,29,15
